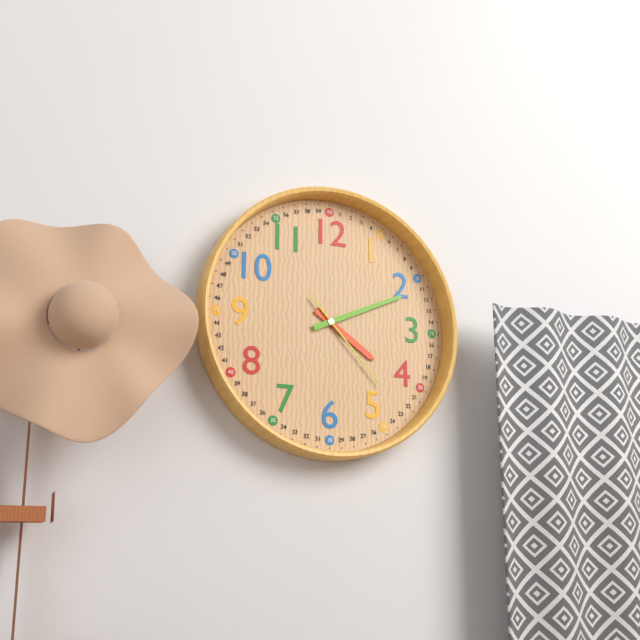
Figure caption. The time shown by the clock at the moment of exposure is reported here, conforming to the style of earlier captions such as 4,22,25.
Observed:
4,11,23
